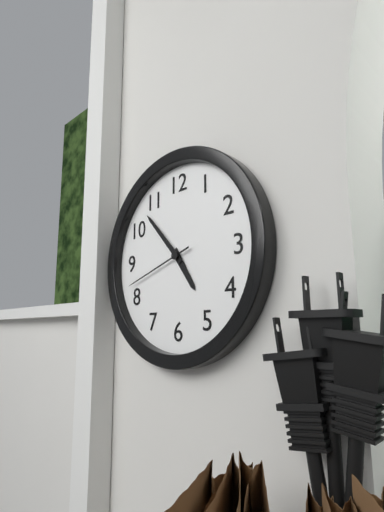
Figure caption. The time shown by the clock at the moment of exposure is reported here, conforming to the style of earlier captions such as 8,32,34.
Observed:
4,53,42
